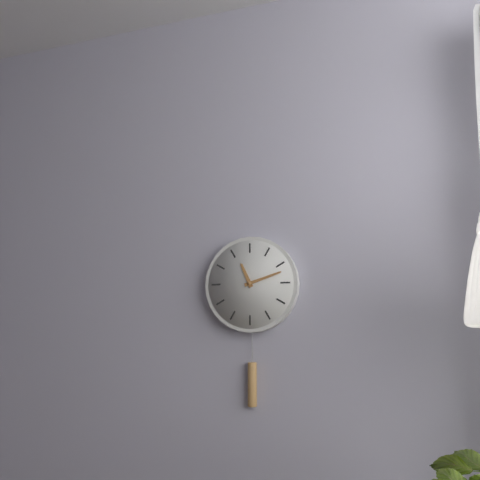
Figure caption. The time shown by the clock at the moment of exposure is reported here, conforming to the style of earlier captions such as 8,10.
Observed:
11,12
